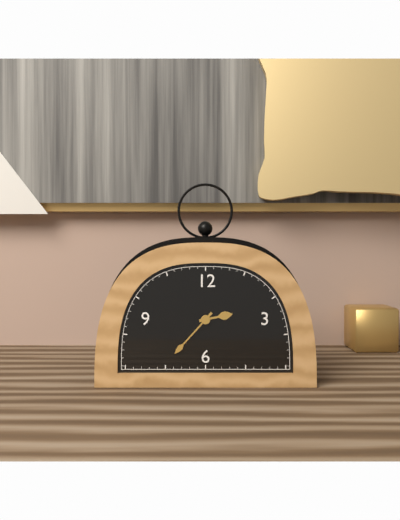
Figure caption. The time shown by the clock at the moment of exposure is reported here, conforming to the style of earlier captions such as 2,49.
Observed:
2,37
